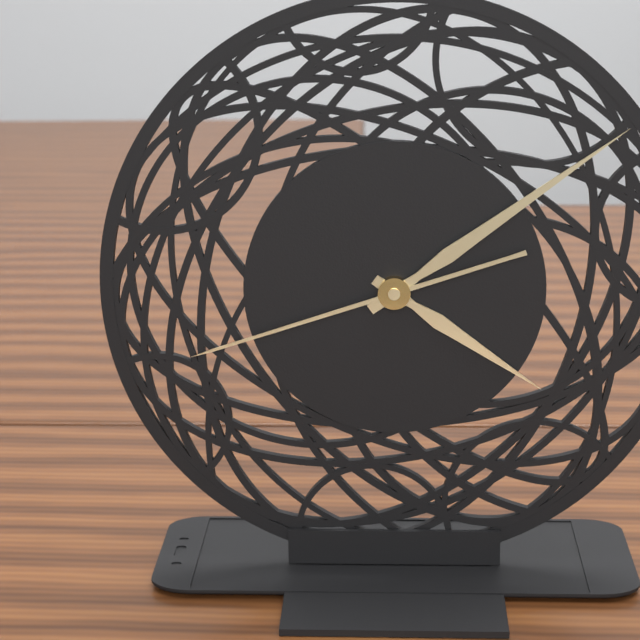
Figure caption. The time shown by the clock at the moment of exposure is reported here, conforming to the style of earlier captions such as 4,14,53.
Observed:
4,09,42
